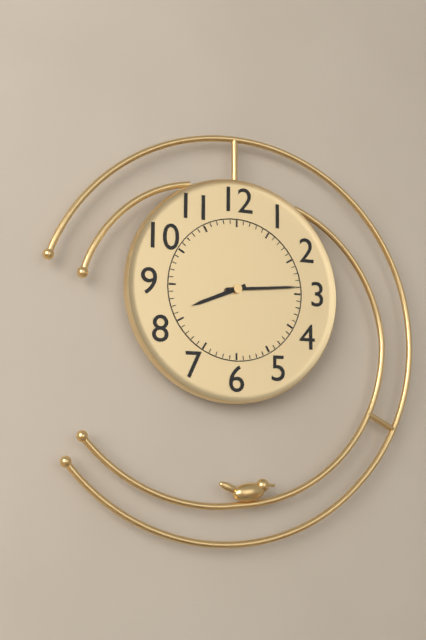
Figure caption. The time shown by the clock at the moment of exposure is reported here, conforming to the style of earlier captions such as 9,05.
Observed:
8,14
